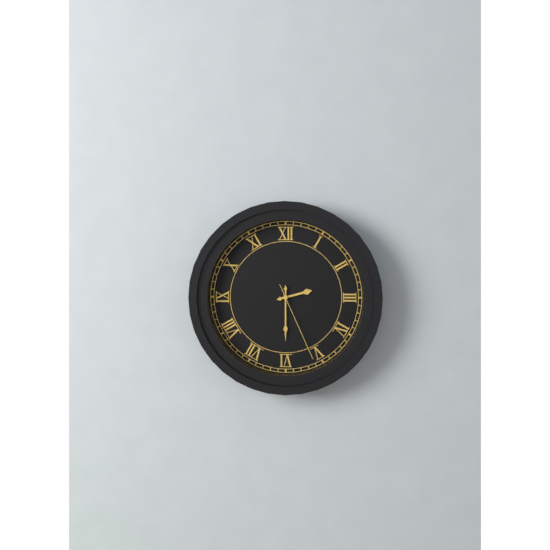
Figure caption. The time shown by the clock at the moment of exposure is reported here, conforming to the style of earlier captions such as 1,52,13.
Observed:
2,30,26
